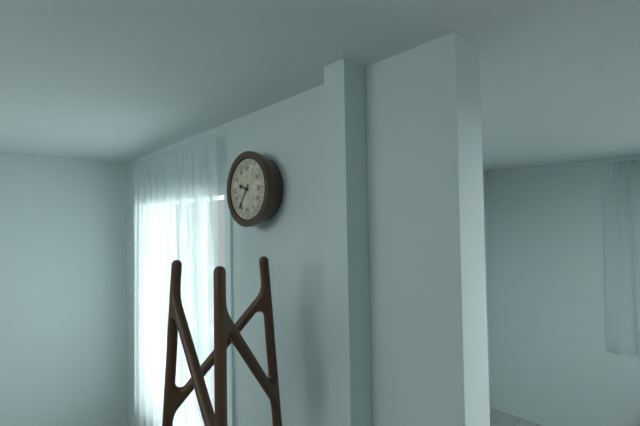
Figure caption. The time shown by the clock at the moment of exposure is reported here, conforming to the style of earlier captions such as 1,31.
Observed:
9,36
